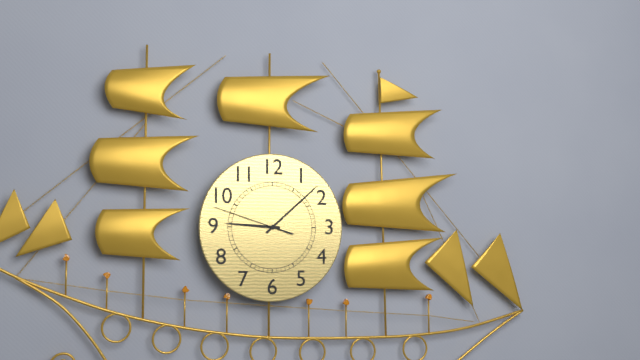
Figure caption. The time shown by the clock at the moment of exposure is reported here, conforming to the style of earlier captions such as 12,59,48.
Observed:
9,08,48
